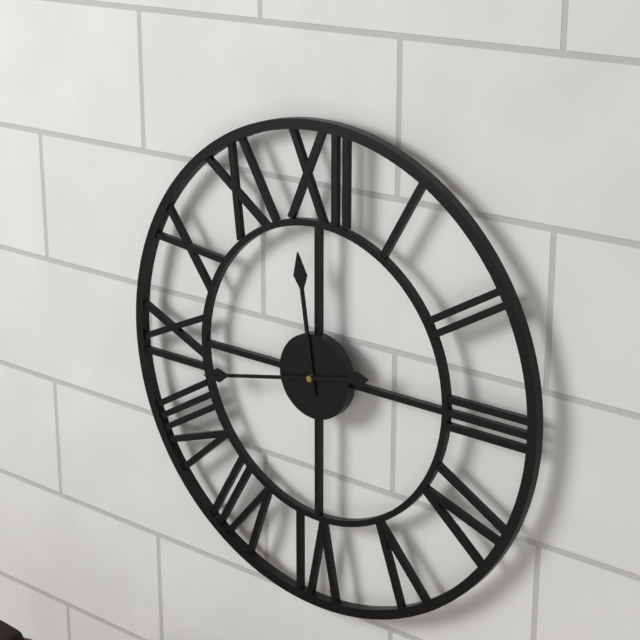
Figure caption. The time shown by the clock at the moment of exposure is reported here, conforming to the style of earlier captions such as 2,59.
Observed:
11,43
